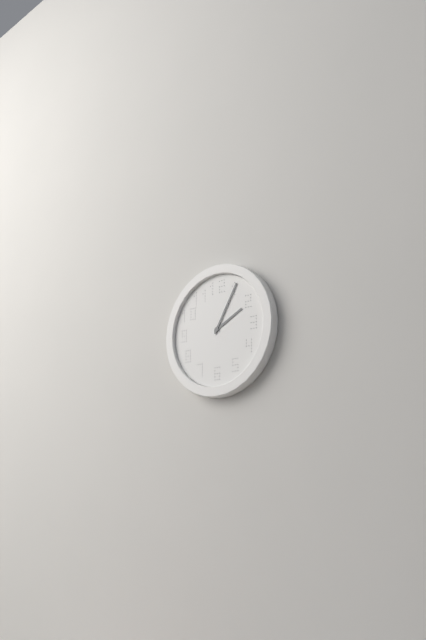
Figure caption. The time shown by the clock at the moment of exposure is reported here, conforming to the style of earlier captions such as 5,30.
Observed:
2,05
